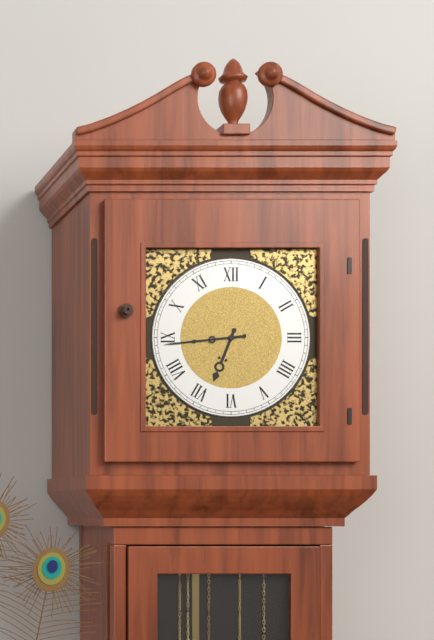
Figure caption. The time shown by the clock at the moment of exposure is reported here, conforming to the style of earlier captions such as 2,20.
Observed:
6,44
